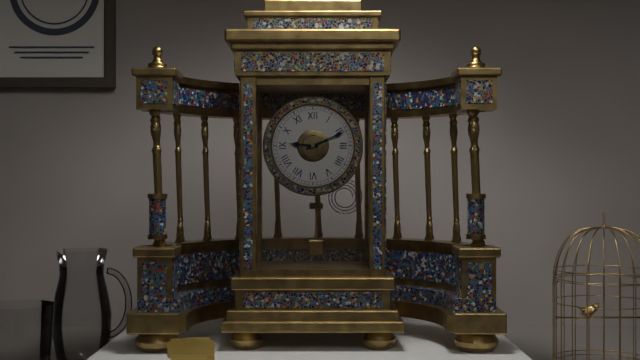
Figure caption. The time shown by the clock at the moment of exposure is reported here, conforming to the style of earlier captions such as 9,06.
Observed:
9,11
